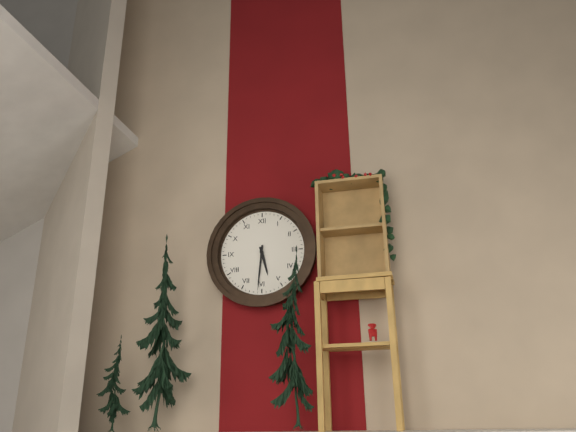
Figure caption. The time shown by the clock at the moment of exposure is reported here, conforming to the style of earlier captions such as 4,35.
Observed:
5,31
